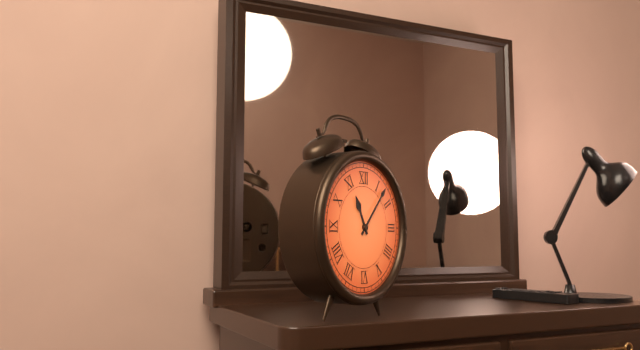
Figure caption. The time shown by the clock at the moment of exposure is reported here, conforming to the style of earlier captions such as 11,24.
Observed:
11,07
